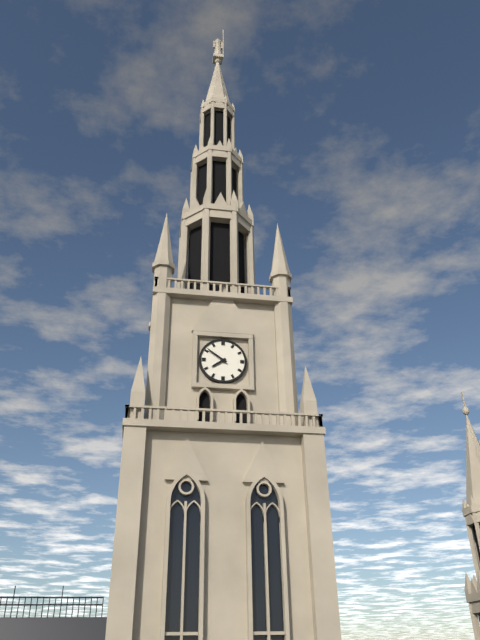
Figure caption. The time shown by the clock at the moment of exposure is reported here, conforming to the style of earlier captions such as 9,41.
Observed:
7,51
